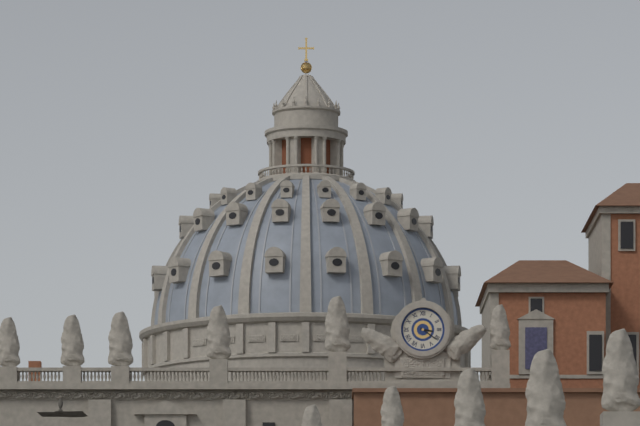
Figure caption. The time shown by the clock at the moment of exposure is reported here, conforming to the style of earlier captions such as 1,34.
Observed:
3,21
